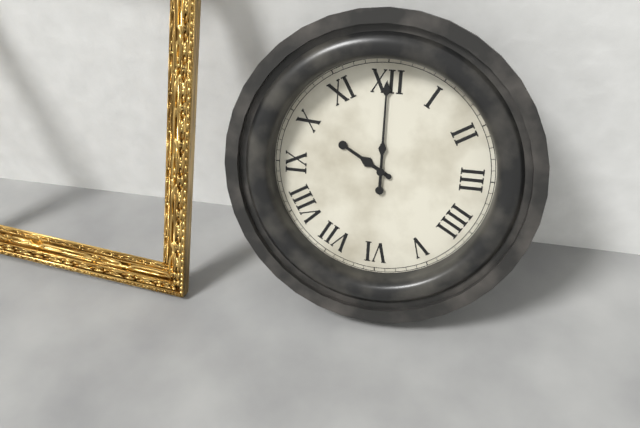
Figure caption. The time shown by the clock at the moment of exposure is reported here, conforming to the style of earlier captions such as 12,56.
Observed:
10,00
